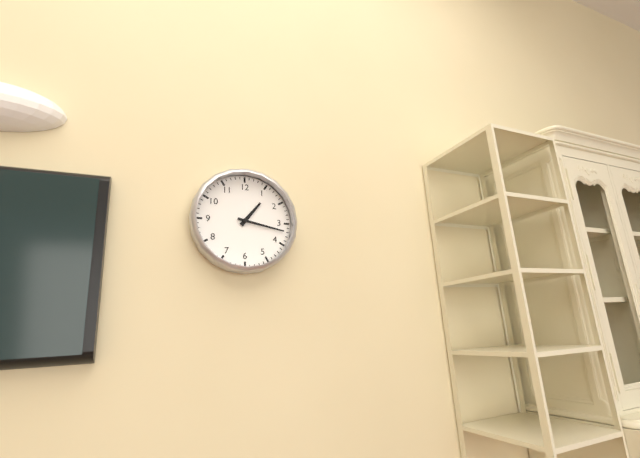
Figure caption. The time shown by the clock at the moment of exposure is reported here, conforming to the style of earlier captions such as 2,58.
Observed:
1,17
